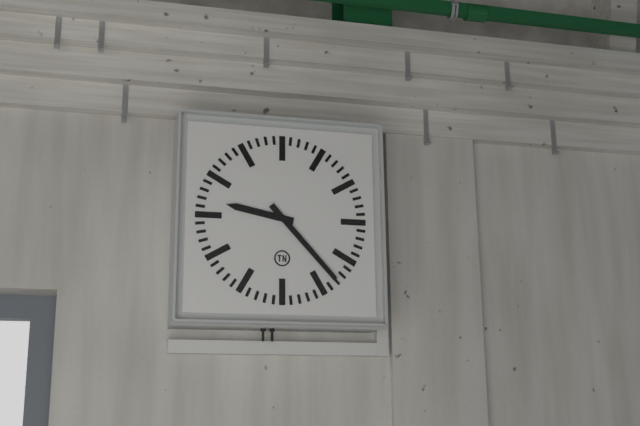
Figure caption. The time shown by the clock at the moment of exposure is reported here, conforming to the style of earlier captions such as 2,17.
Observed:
9,23
